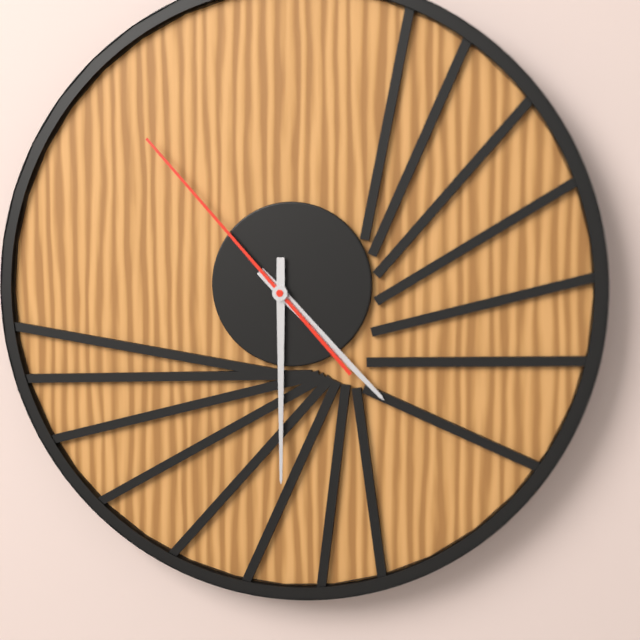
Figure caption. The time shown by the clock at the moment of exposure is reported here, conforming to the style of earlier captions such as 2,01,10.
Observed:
4,30,53
